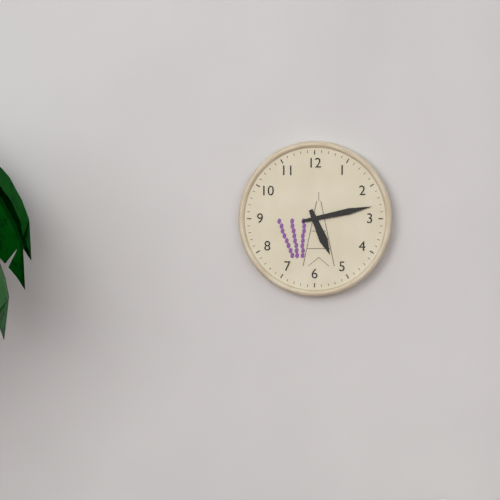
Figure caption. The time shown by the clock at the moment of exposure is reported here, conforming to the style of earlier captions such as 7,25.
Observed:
5,13
